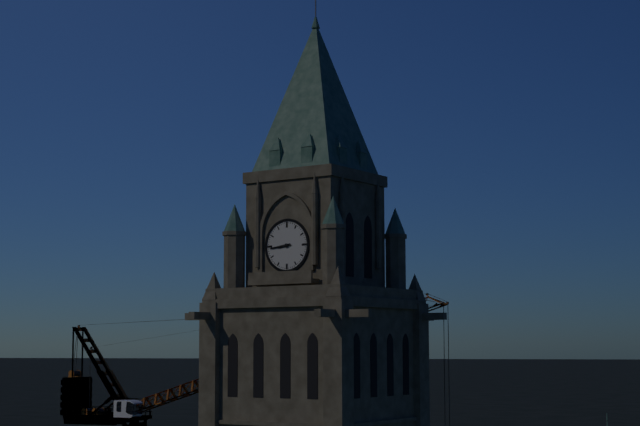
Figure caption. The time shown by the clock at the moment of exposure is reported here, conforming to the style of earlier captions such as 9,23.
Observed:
8,44
